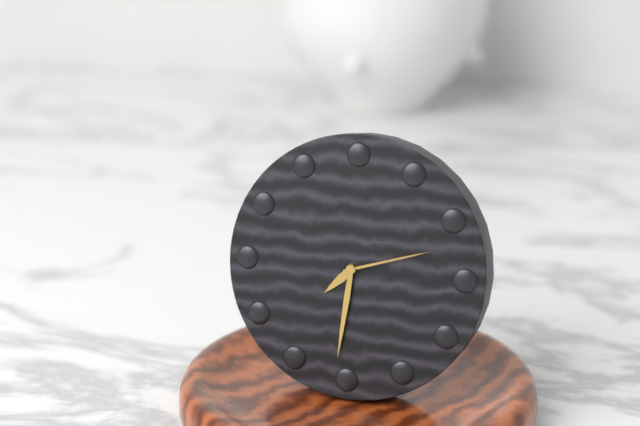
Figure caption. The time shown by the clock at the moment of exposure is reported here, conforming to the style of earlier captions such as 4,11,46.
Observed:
7,31,12
